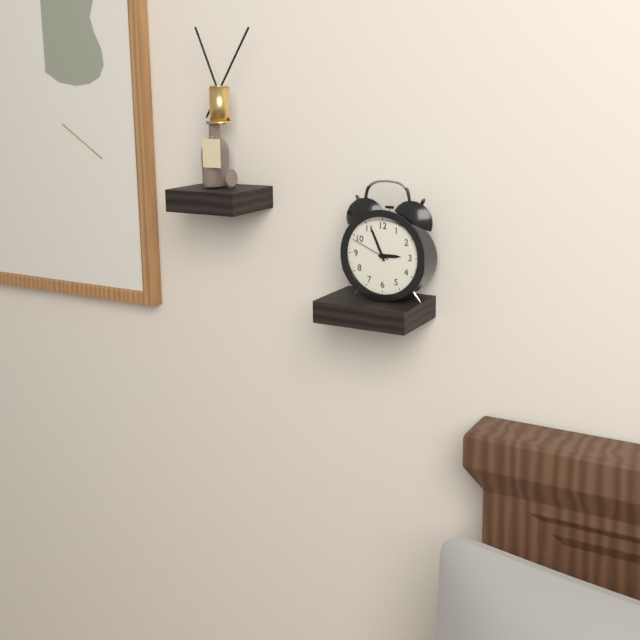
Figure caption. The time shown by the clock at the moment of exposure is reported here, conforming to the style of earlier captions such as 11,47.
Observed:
2,56
